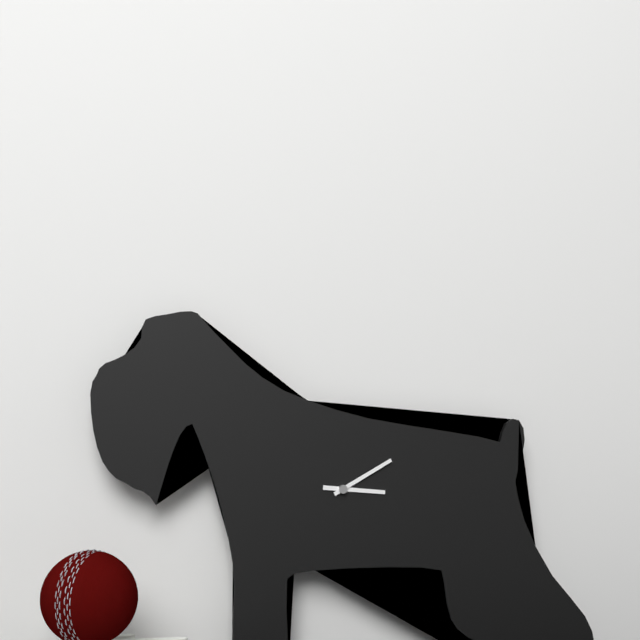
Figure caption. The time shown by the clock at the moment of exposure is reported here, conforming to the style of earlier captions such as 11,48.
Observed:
3,10
